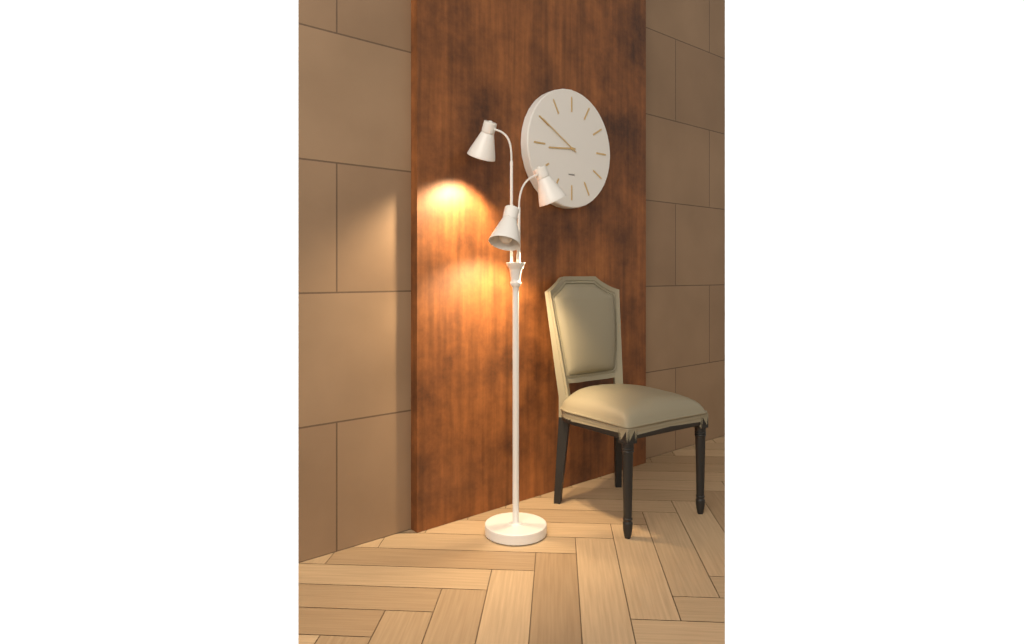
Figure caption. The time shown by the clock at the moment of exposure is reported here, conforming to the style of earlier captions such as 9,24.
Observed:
8,50
